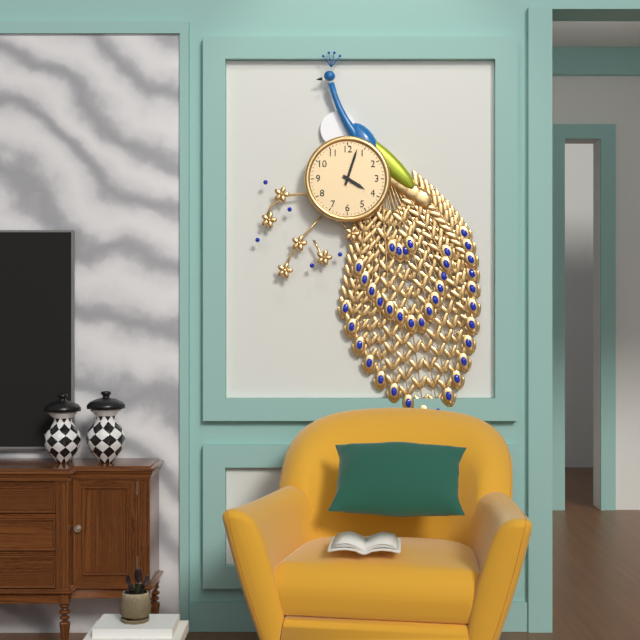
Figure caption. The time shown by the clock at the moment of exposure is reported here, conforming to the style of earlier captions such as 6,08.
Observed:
4,03
